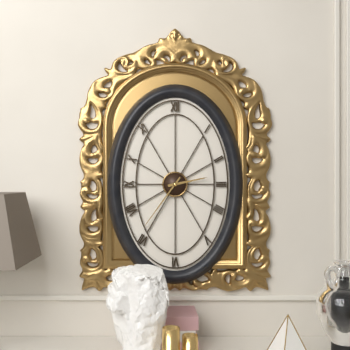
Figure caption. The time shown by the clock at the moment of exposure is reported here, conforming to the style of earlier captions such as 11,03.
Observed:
2,36
